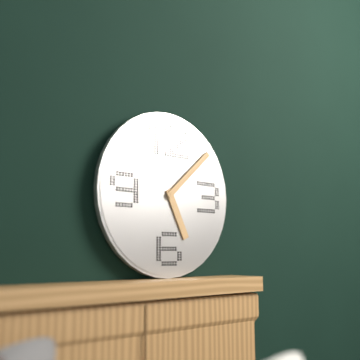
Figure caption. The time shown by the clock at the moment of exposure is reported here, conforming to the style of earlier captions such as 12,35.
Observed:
5,08
